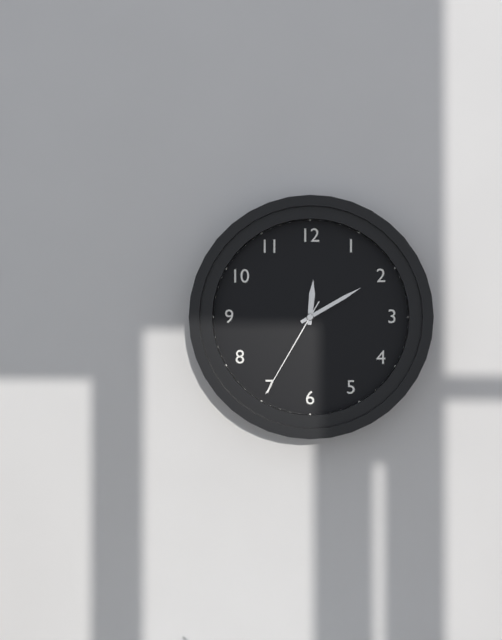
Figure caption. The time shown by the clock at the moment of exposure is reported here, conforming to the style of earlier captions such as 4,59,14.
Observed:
12,10,35
